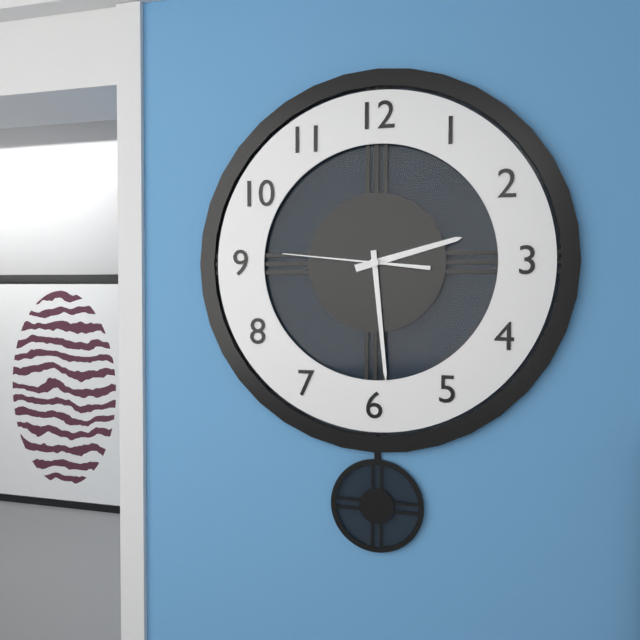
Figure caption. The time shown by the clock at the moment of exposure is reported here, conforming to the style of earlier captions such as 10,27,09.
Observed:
2,29,46
